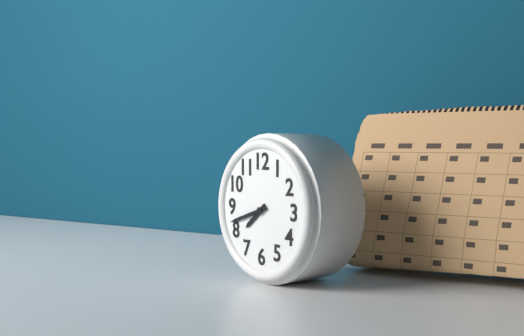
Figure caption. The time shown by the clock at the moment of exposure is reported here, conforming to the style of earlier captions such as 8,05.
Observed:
7,42
